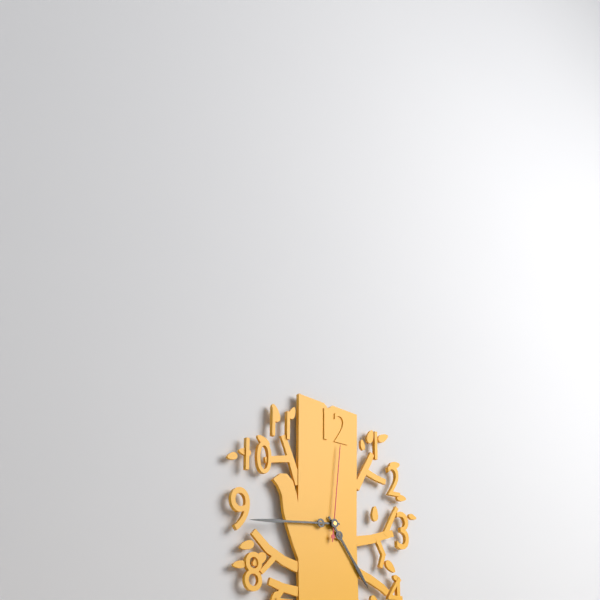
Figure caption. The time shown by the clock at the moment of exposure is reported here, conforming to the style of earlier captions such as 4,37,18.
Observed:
4,44,01
